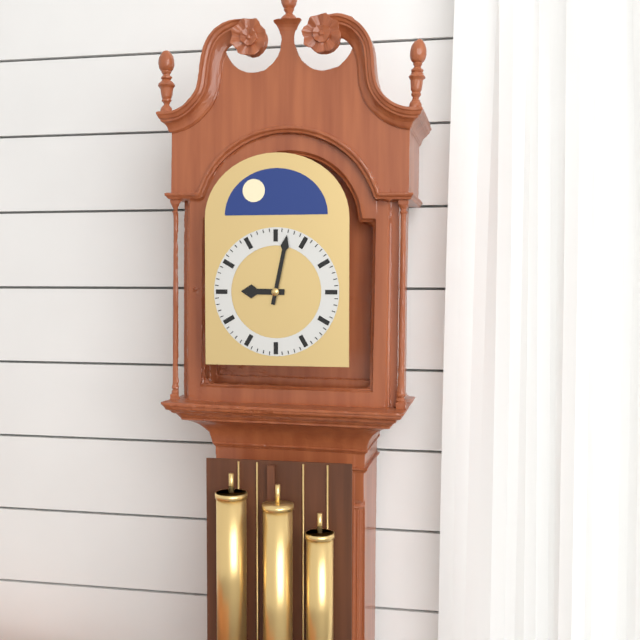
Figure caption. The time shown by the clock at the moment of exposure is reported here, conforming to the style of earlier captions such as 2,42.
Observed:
9,02
